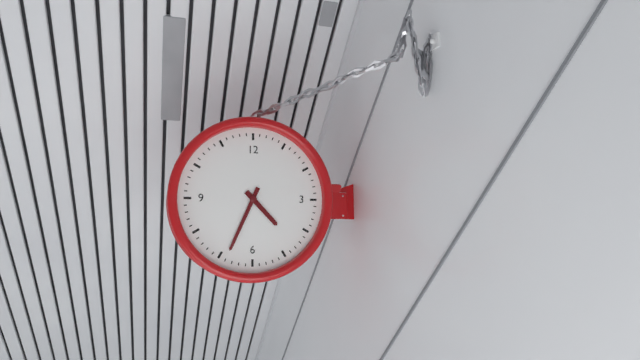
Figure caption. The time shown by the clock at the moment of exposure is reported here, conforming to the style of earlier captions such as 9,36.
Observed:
4,34
